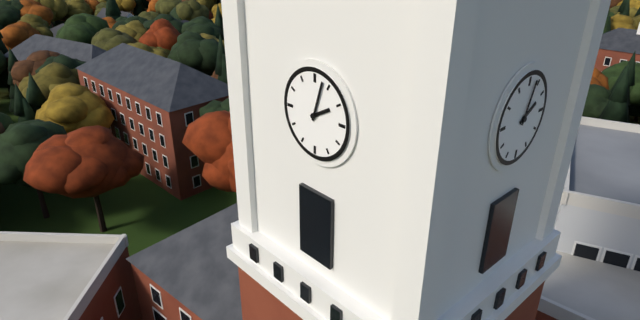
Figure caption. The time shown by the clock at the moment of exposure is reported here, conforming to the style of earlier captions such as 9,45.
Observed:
2,03
